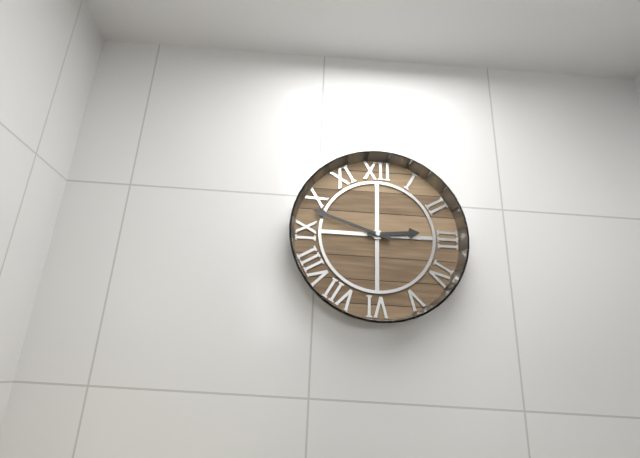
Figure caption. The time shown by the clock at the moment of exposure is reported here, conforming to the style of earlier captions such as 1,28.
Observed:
2,48
